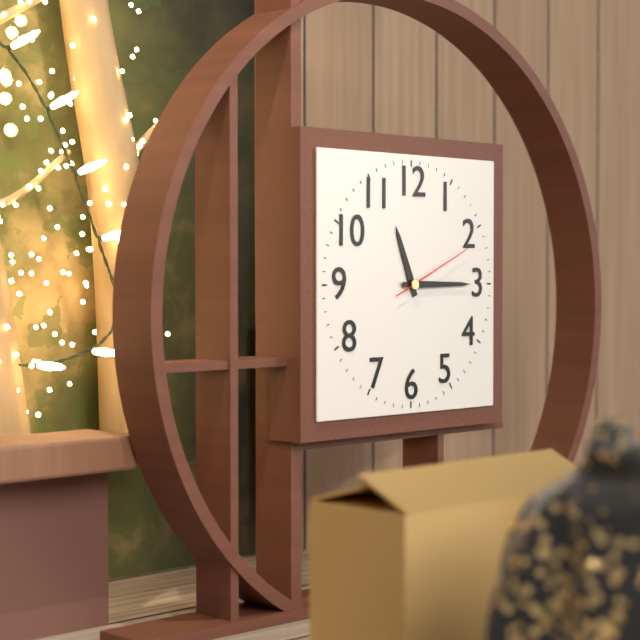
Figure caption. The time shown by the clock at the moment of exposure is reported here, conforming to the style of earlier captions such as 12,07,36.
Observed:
11,15,11
